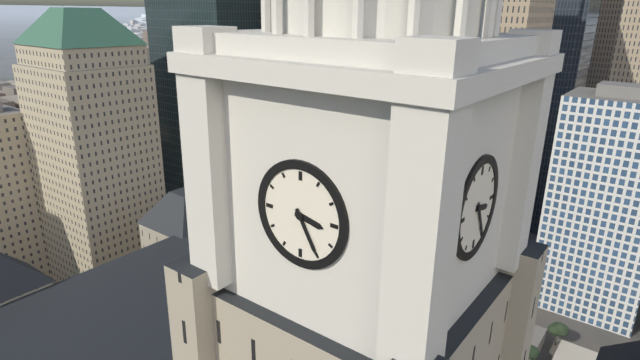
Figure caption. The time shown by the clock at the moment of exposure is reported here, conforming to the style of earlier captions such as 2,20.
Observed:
3,25
